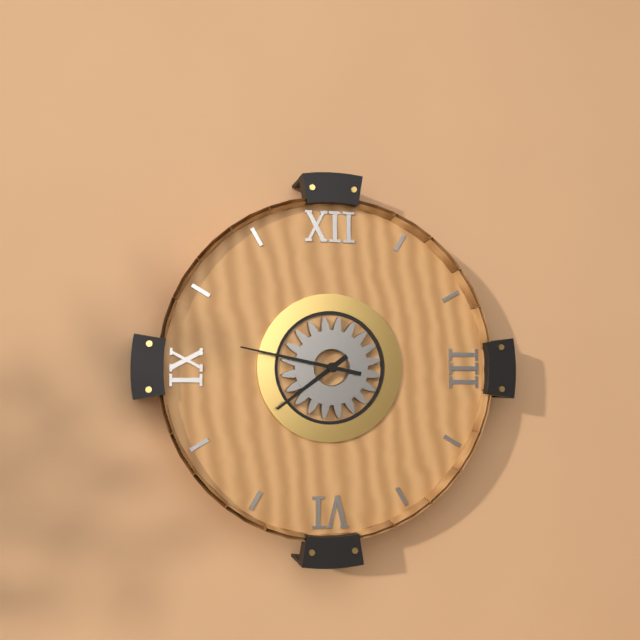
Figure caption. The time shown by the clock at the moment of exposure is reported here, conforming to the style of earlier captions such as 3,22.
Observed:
7,47
